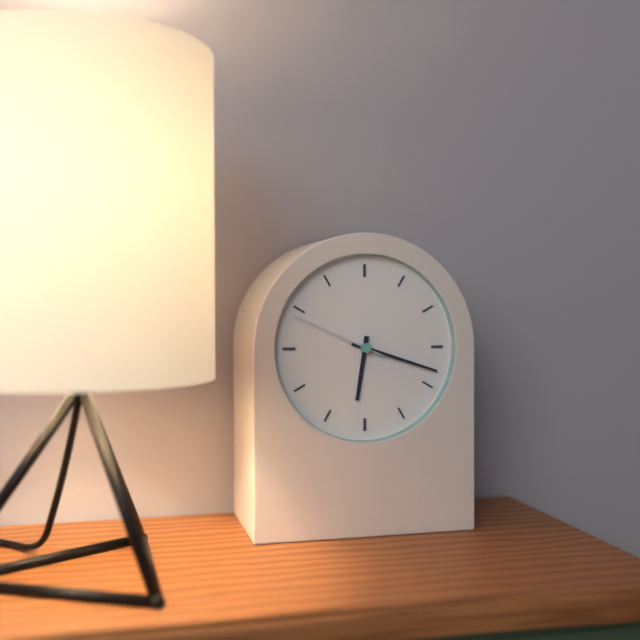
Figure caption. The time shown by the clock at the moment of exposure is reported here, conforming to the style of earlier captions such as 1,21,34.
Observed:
6,18,49
